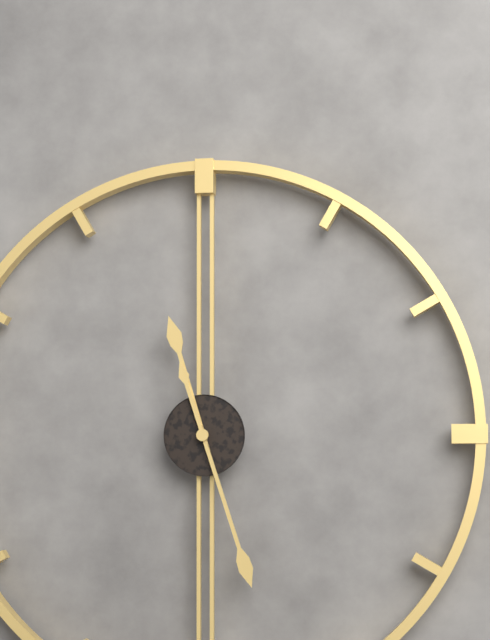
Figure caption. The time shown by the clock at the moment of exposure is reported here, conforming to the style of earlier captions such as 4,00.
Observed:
11,27
